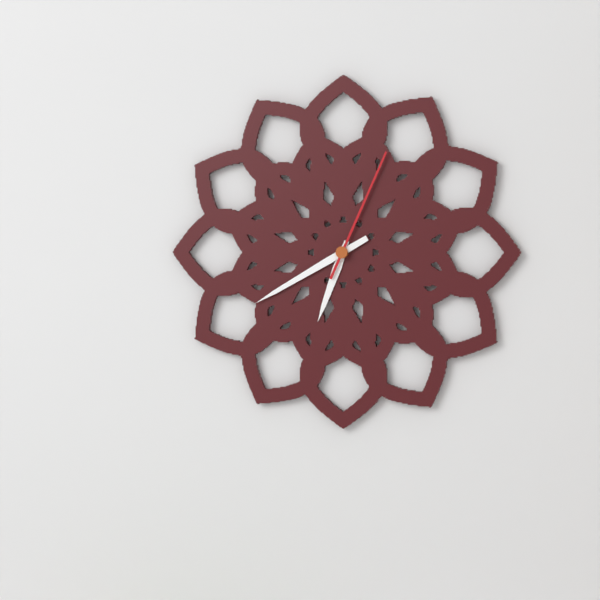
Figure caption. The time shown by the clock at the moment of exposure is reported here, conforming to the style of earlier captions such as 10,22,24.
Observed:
6,40,04
